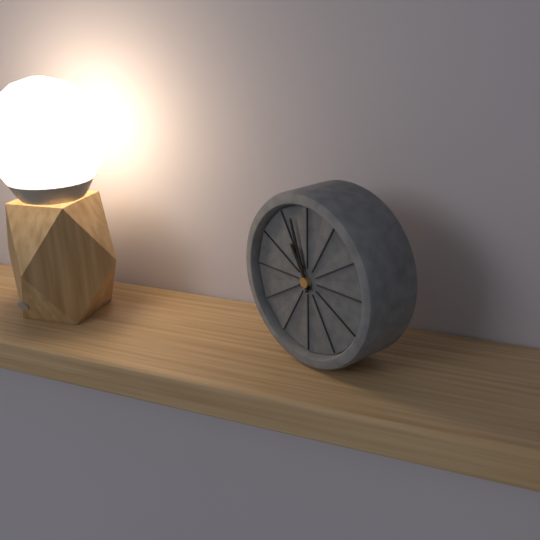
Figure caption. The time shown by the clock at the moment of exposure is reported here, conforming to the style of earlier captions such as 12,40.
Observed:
10,57
